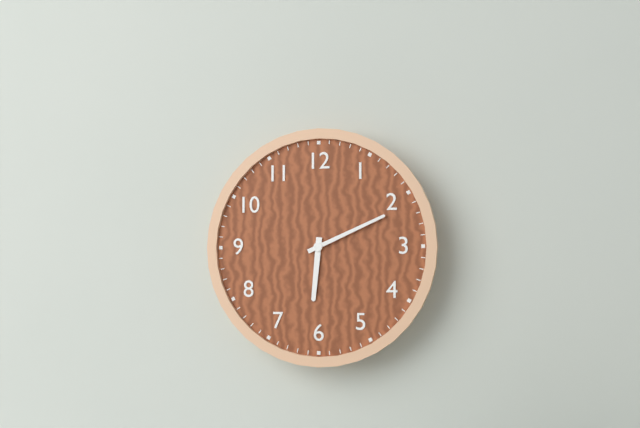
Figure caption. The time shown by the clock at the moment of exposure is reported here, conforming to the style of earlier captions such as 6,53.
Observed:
6,11
